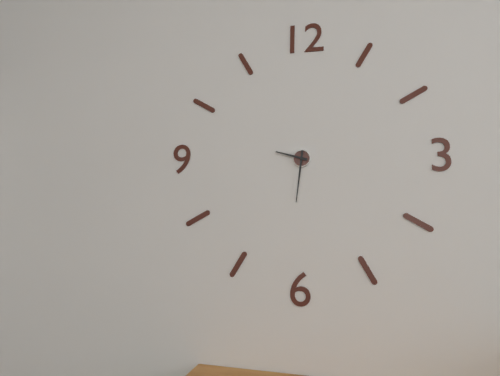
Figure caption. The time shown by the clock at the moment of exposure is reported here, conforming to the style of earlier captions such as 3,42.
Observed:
9,31
